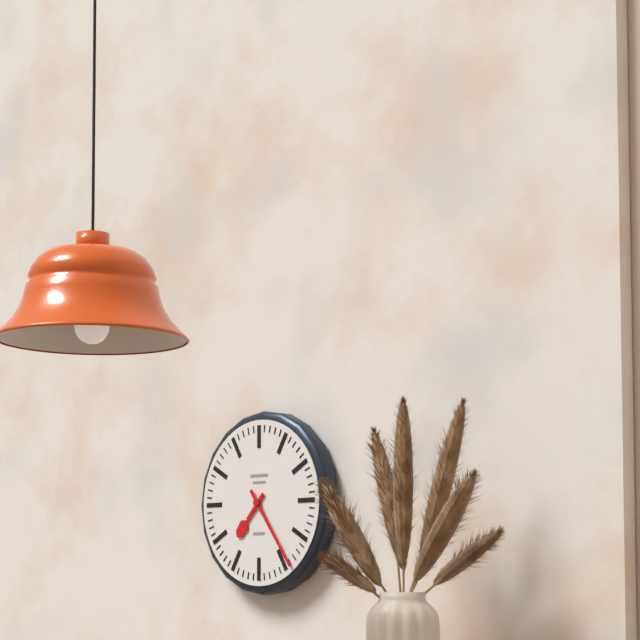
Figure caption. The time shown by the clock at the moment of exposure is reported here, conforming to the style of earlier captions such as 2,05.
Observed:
7,24
